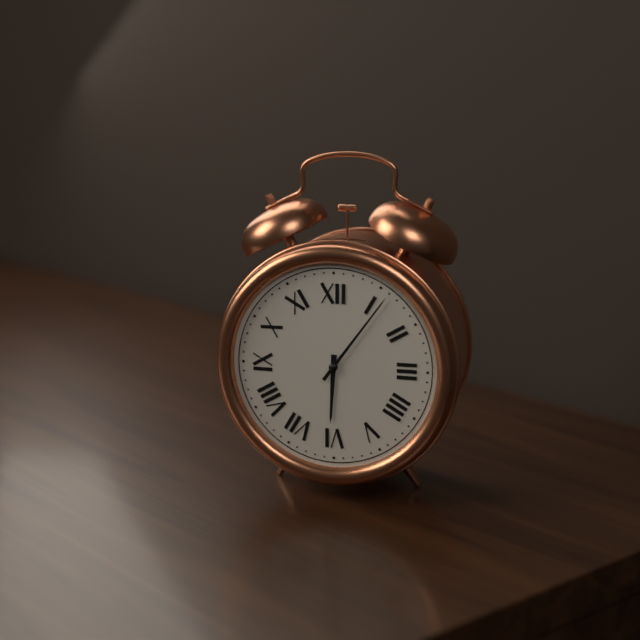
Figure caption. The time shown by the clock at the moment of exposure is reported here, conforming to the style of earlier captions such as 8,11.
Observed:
6,06
